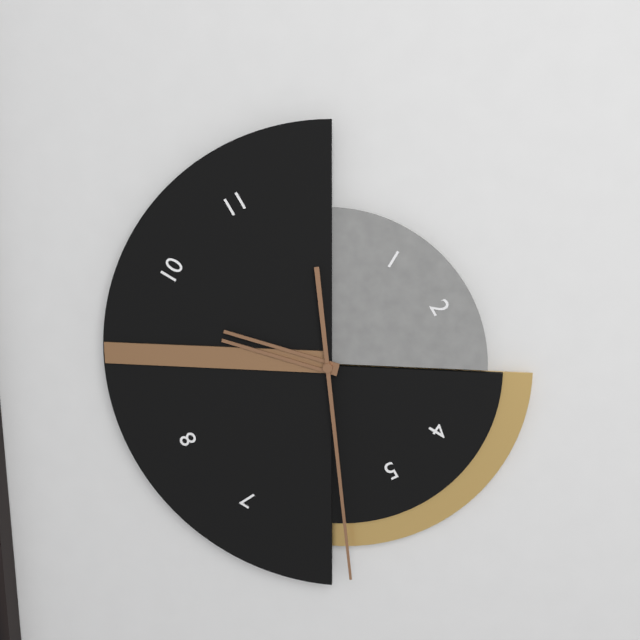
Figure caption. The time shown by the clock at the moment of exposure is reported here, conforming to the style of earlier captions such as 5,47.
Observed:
9,29
